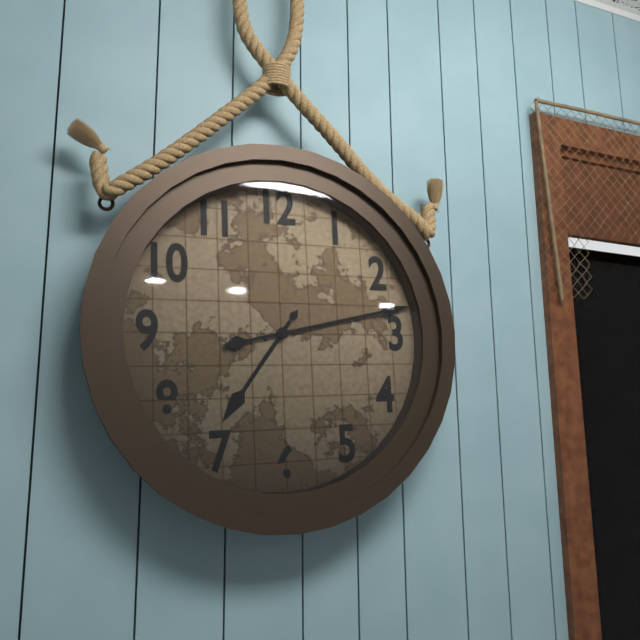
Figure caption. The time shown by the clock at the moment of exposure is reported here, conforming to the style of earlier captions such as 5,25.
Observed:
7,13
